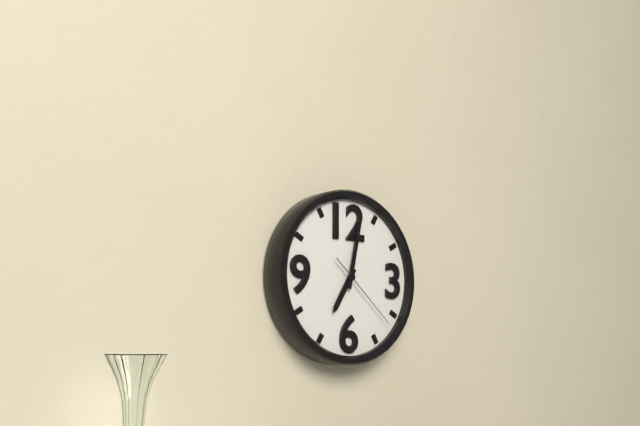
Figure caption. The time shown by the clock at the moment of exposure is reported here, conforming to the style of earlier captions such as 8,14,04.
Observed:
7,02,22
